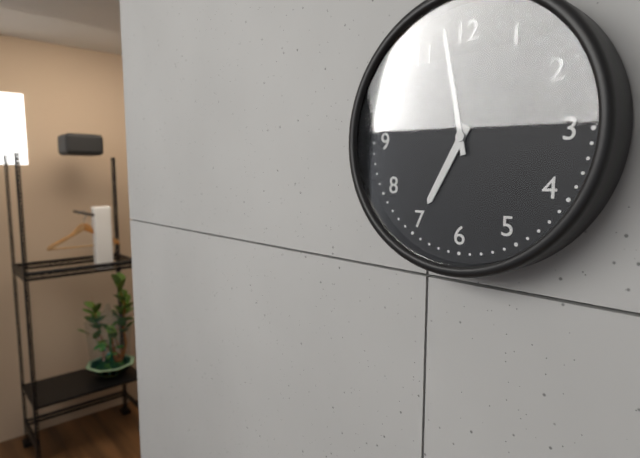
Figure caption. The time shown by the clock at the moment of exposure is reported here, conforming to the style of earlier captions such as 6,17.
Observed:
6,58
